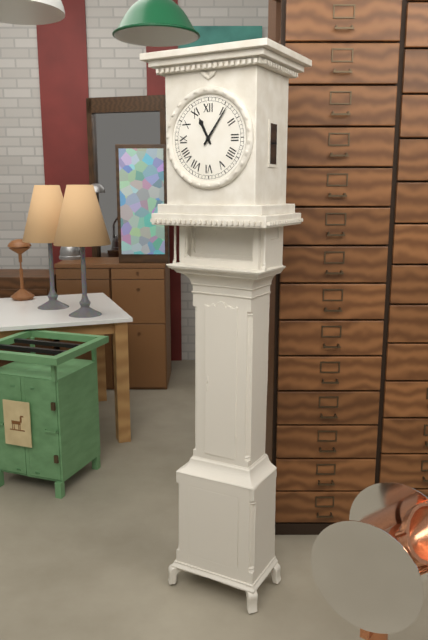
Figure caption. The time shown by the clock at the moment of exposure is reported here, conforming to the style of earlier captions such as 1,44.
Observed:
11,06
